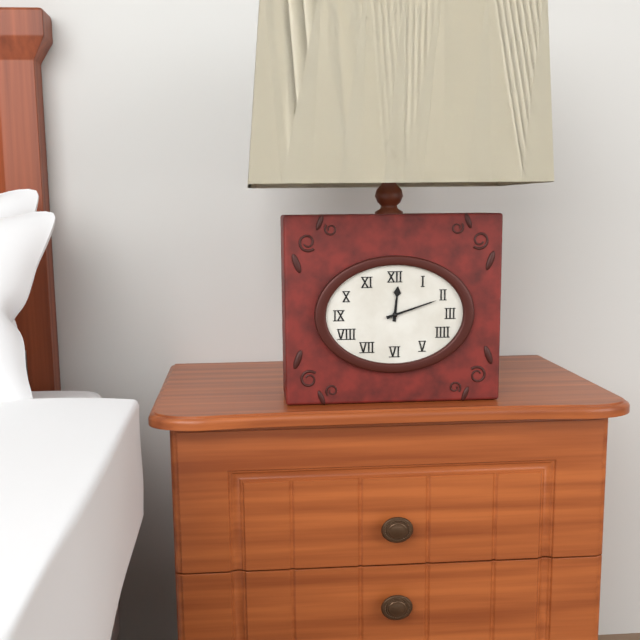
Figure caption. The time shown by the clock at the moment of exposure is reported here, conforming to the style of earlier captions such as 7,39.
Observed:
12,12
